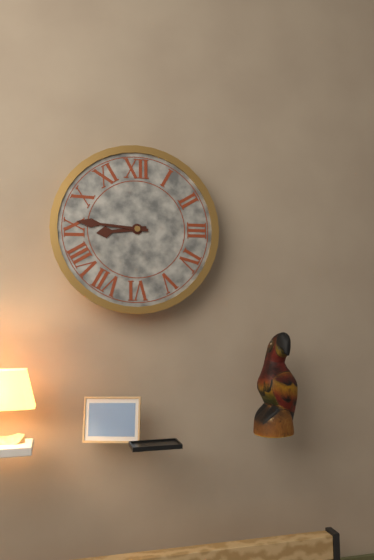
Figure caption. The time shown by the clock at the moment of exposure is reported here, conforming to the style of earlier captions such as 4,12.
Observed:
8,46
